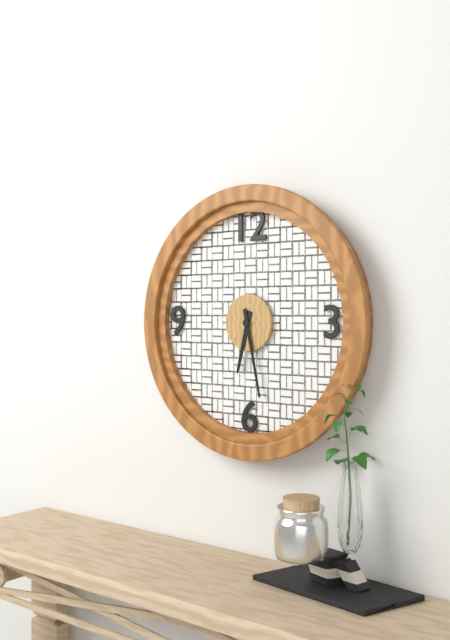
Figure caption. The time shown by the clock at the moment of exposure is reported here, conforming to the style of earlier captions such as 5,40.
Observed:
6,28
